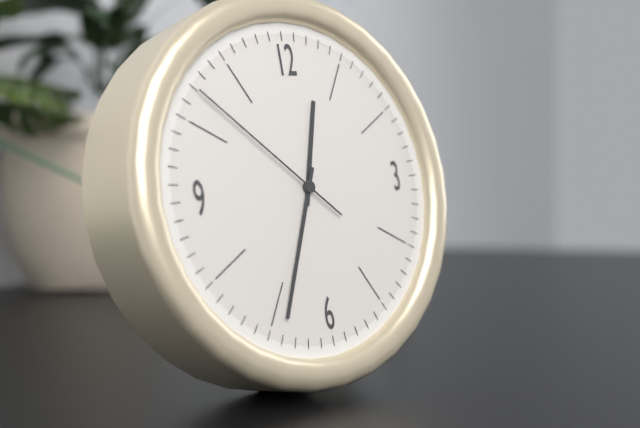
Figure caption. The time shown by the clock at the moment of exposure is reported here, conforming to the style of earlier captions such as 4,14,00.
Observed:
12,34,52
